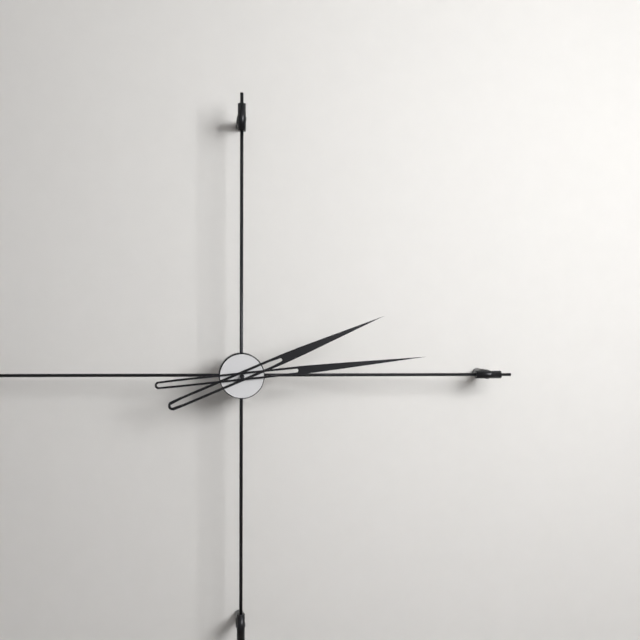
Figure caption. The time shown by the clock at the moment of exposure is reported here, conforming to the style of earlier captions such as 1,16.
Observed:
2,14
